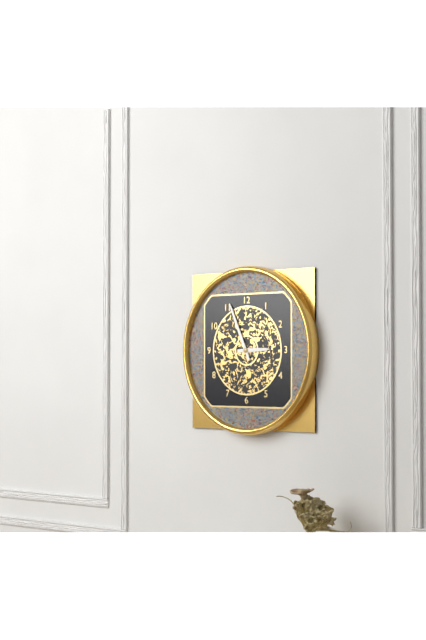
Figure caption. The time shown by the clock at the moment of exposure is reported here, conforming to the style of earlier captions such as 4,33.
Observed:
2,56
